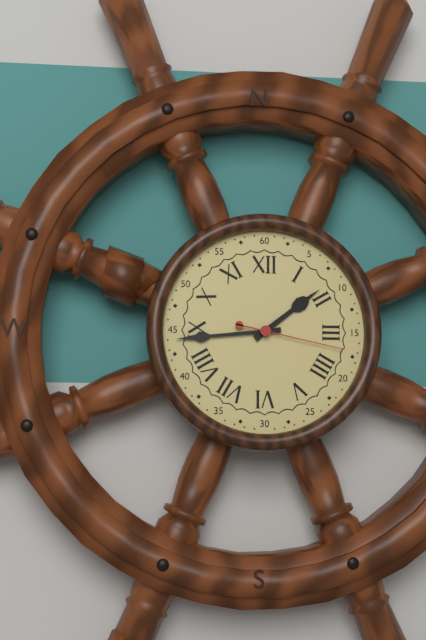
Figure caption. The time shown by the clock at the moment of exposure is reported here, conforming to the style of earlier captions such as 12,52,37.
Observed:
1,44,17
